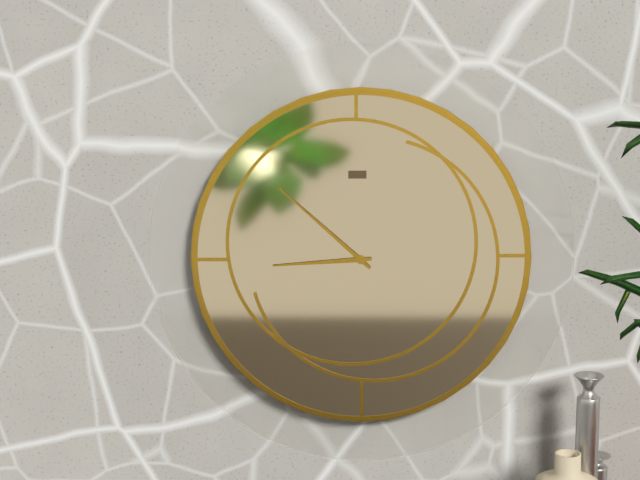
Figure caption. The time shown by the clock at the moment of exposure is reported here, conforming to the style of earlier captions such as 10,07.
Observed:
8,52
